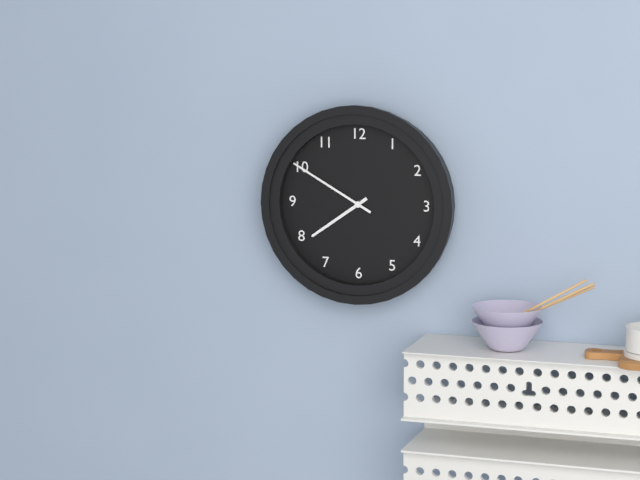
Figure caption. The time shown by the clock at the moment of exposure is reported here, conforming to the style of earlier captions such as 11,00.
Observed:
7,50
